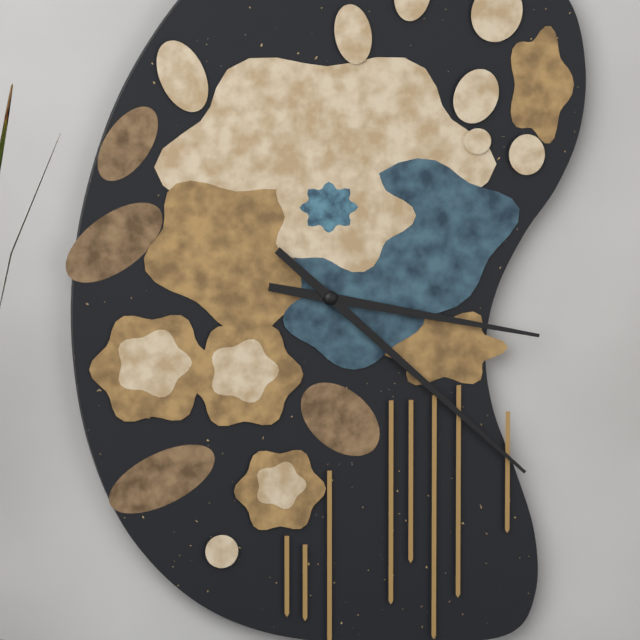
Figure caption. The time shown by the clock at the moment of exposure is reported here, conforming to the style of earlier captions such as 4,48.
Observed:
3,22
